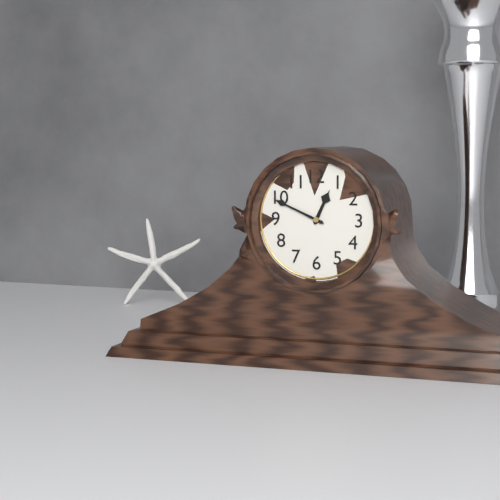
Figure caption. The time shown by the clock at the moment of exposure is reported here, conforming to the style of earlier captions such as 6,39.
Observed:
12,49
